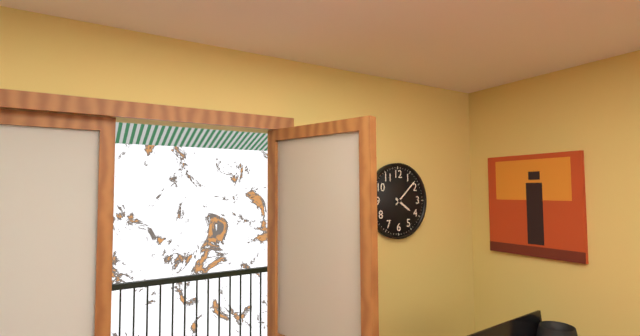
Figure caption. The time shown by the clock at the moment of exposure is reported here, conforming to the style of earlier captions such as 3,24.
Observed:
4,08
